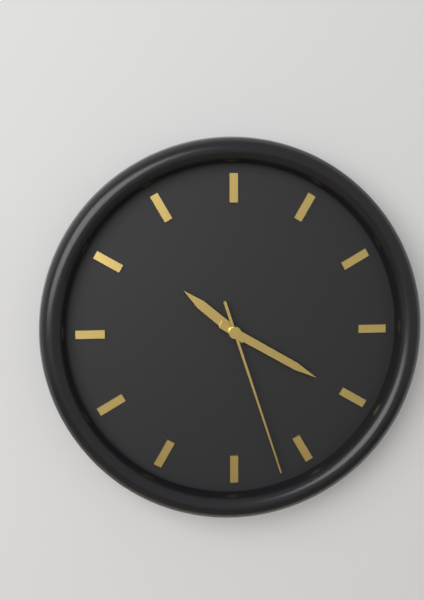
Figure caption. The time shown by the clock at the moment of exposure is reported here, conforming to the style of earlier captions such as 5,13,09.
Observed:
10,20,27
